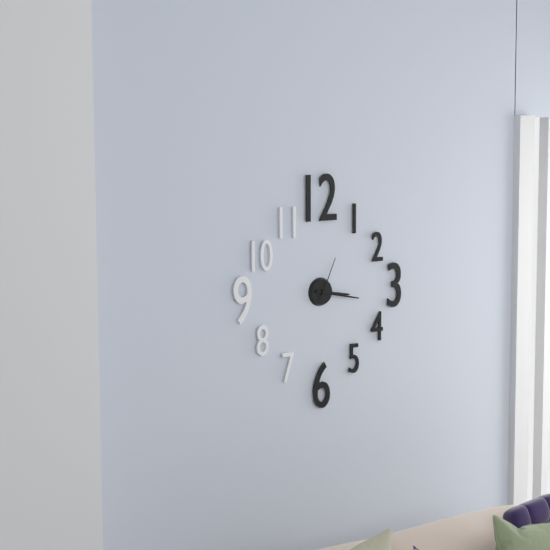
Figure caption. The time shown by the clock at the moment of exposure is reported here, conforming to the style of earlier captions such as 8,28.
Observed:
3,17
